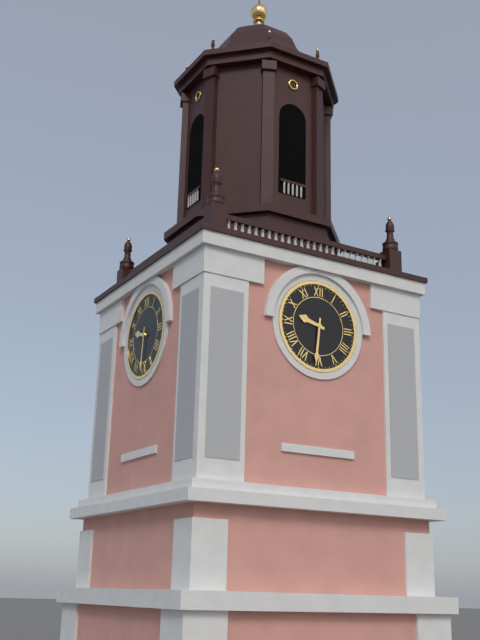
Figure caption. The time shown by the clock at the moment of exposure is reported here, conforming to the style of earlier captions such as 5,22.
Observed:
9,31
